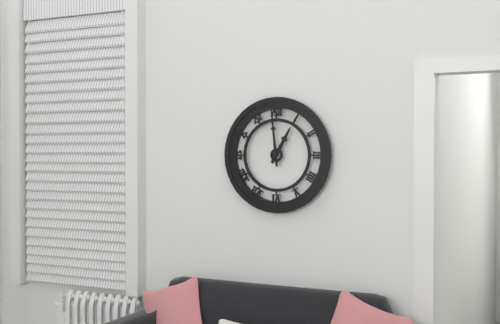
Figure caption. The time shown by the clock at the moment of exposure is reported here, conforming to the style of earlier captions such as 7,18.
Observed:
12,59
